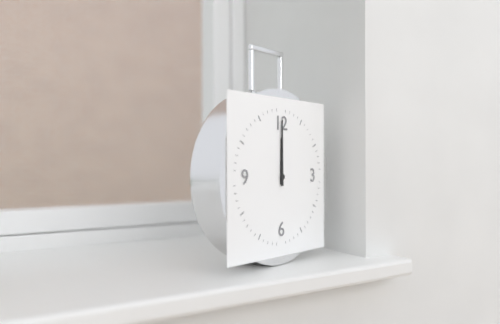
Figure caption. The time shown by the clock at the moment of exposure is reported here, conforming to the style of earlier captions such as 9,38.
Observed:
12,00
